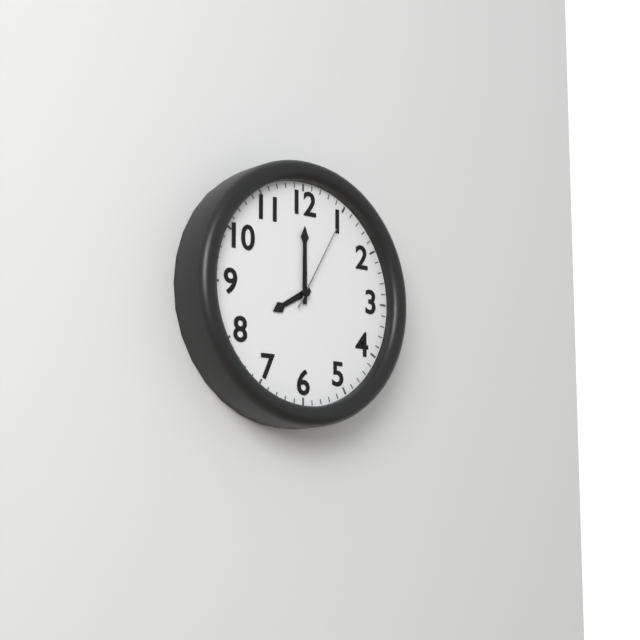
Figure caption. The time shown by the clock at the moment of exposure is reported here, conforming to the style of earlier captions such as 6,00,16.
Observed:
8,00,05
